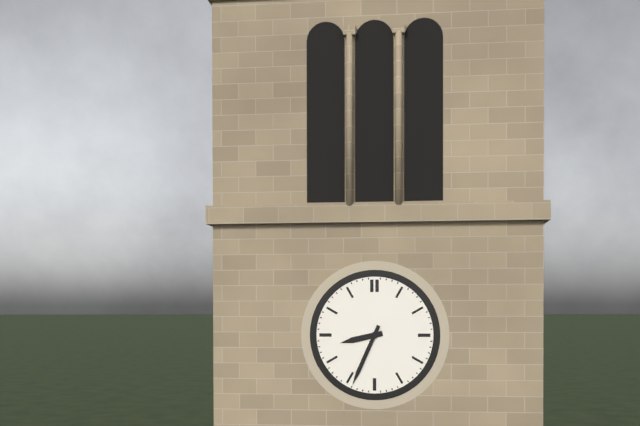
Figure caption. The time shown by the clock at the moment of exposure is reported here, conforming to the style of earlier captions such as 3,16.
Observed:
8,34
